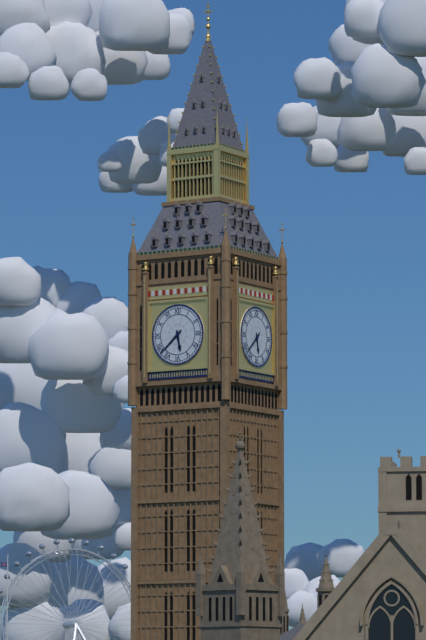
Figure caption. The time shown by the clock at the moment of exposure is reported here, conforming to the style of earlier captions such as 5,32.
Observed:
5,38
